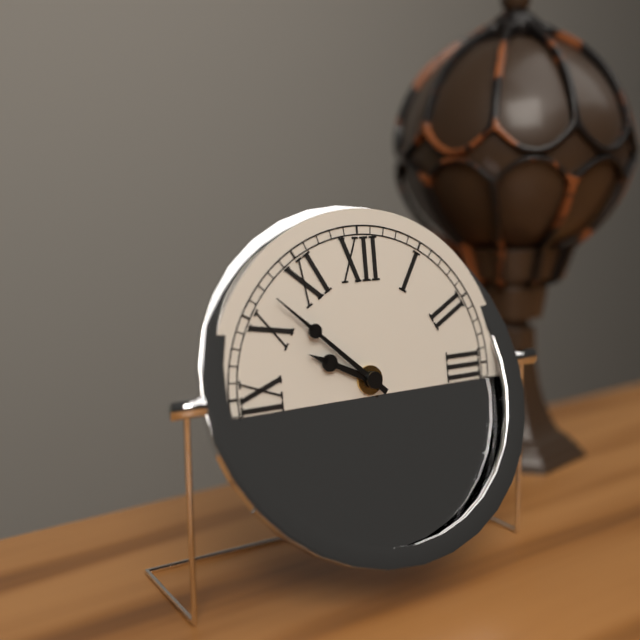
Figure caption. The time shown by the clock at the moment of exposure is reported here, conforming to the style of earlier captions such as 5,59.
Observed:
9,52
